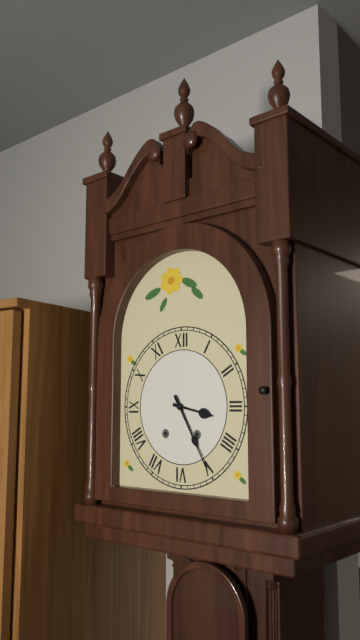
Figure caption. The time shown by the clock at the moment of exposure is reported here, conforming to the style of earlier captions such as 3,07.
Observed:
3,25
